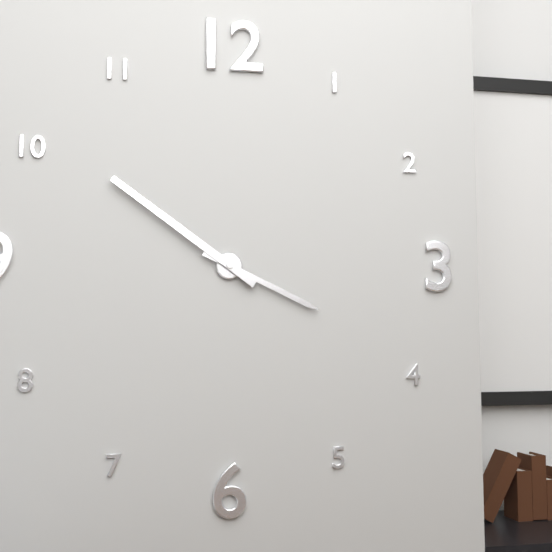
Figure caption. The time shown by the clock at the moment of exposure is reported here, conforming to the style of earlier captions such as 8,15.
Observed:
3,51
